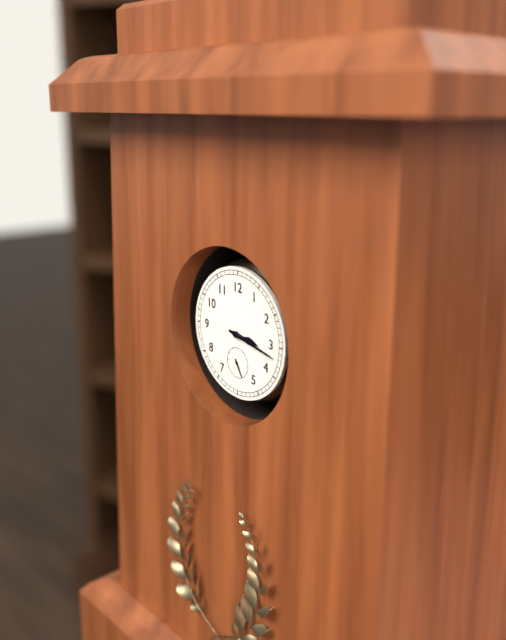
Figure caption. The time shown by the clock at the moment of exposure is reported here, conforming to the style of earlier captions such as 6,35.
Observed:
3,17
